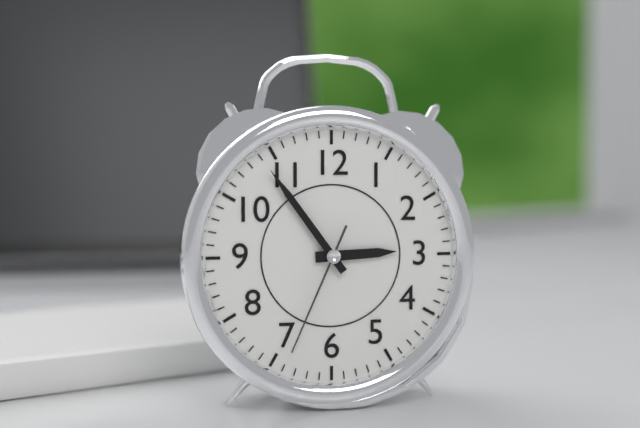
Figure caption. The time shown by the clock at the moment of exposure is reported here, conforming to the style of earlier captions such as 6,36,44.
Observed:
2,54,34
